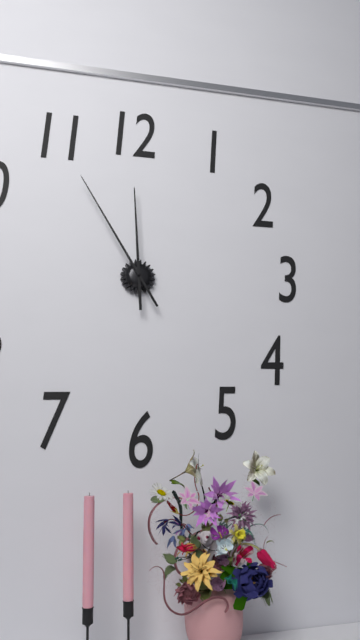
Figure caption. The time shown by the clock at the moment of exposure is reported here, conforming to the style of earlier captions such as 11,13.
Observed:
11,55
